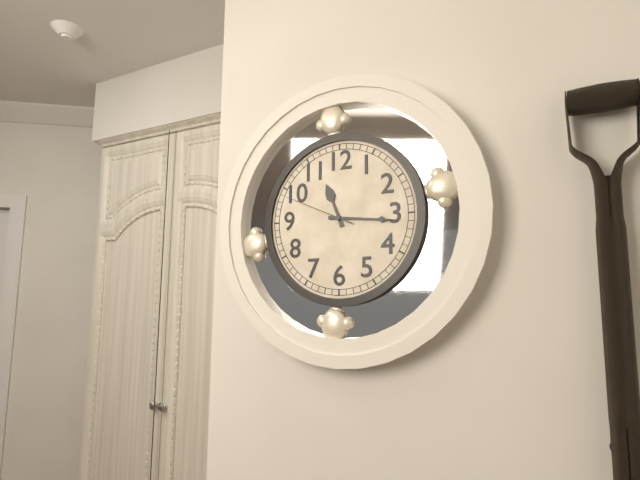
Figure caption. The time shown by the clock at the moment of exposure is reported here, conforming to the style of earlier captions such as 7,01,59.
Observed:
11,16,49
